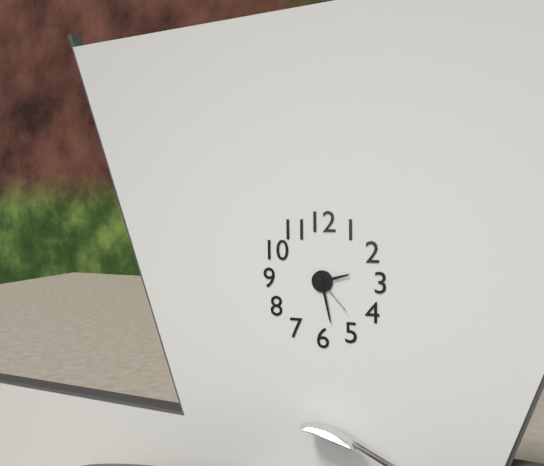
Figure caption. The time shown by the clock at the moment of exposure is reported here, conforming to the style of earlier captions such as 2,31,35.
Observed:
2,28,23
